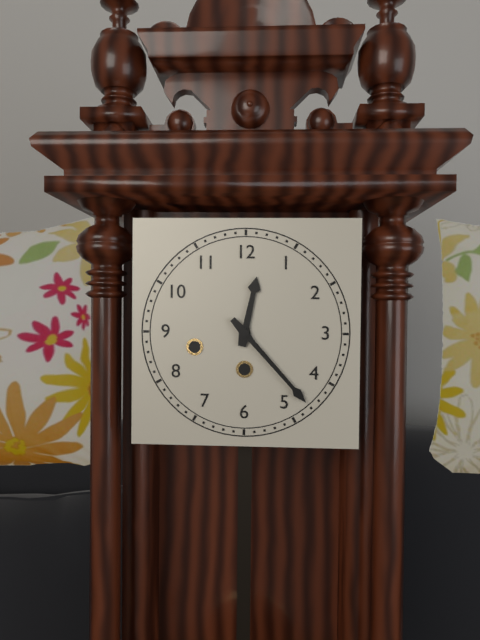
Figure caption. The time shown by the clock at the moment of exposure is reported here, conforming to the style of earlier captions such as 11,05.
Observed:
12,23
